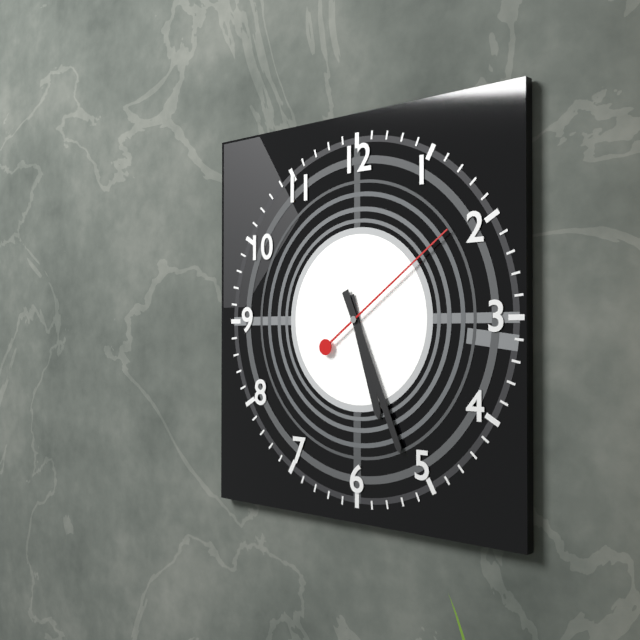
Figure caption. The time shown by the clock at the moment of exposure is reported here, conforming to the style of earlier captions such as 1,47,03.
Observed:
5,26,09
